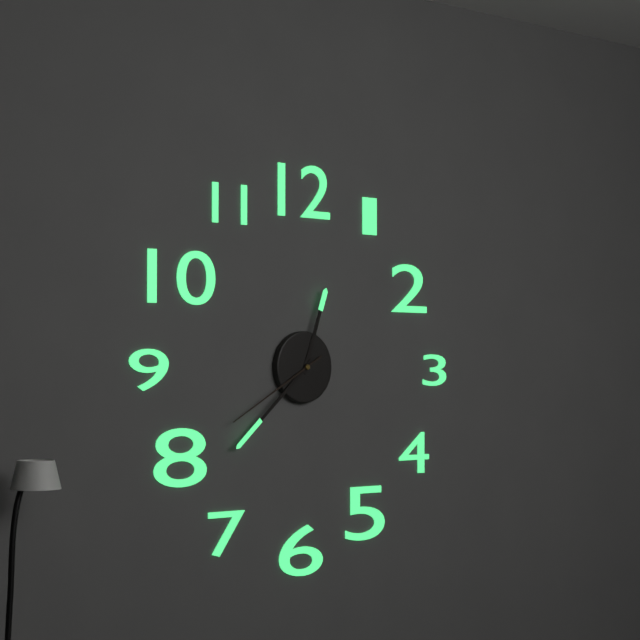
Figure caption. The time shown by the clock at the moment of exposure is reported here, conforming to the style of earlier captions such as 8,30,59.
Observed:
12,38,40
